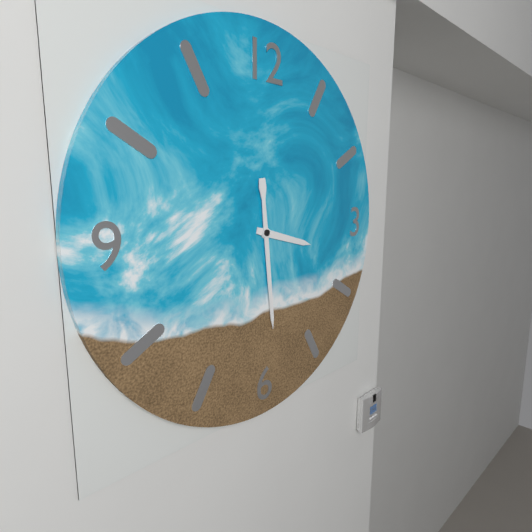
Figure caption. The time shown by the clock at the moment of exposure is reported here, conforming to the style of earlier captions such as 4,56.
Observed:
3,29
